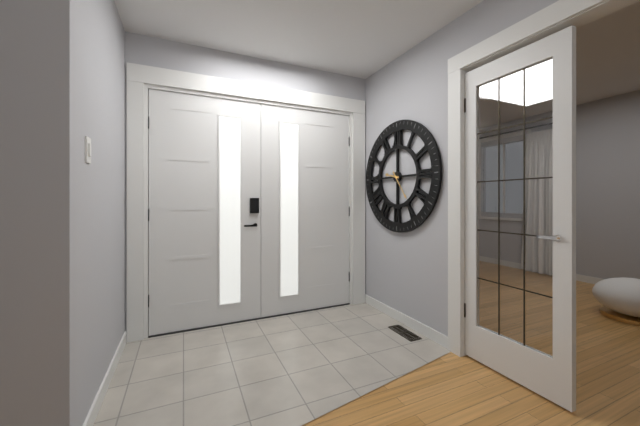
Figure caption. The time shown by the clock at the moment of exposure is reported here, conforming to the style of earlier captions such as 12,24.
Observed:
9,24
